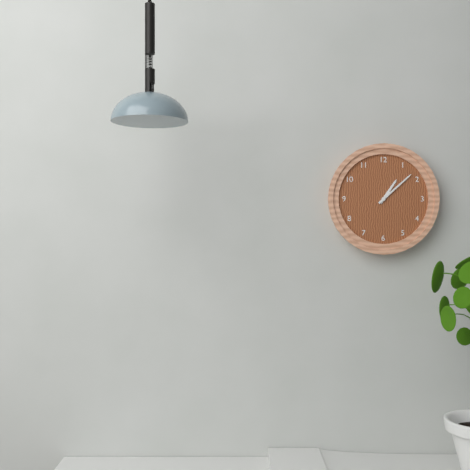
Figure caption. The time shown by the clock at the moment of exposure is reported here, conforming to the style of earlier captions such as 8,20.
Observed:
1,08
